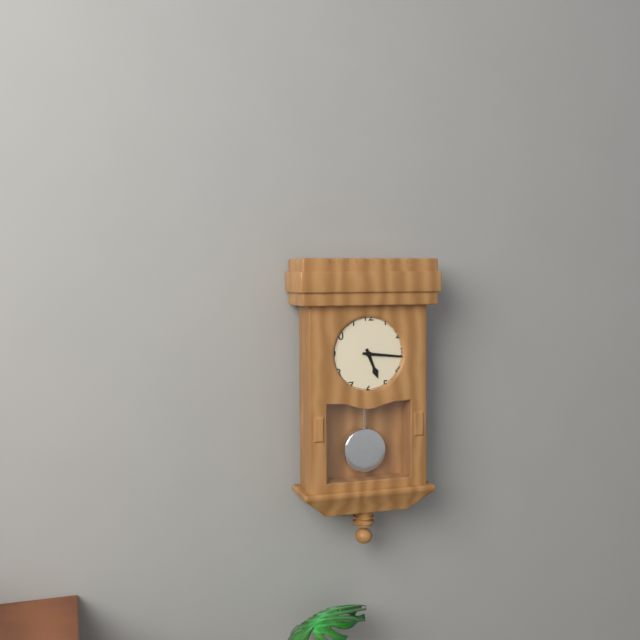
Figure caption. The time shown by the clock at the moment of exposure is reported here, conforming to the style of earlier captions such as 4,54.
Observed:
5,16
